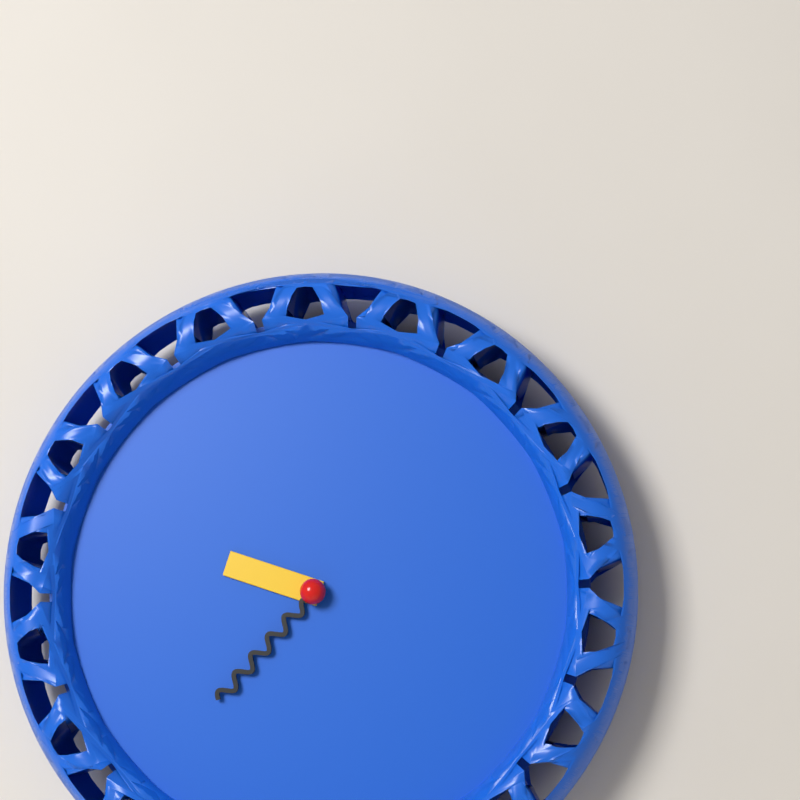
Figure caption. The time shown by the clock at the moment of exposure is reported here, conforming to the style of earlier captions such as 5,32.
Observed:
9,37
